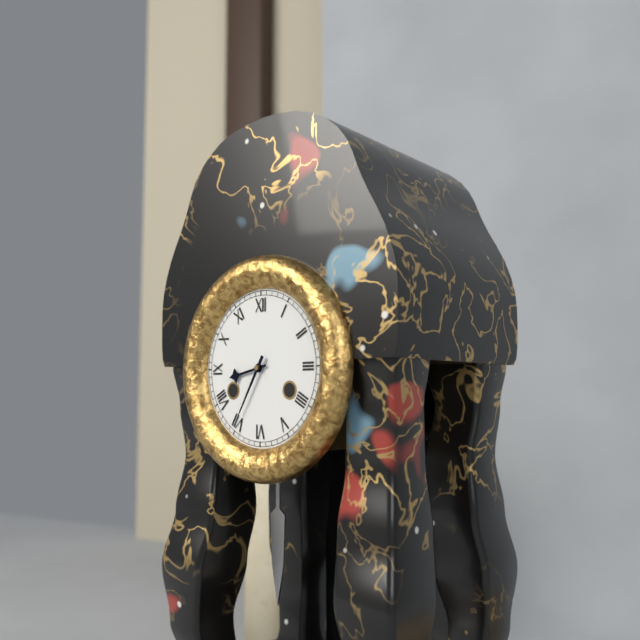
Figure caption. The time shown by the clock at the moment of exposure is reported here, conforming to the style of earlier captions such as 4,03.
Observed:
8,35
